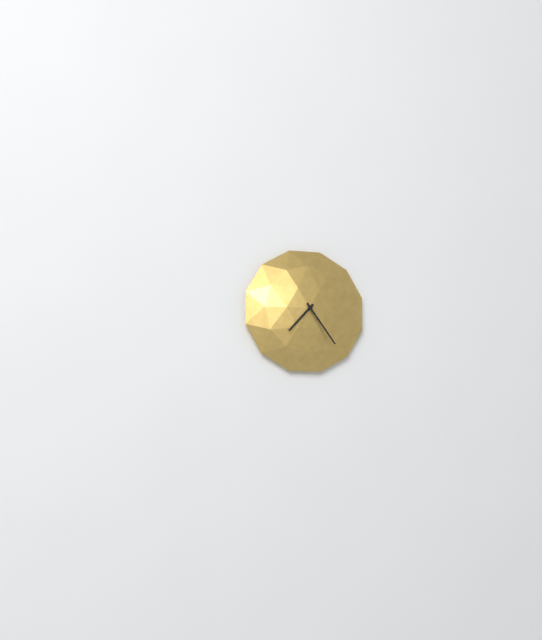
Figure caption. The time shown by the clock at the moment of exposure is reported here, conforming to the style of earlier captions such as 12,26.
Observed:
7,24
